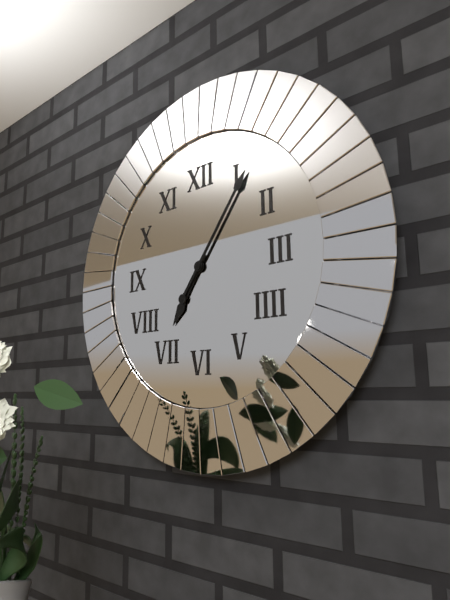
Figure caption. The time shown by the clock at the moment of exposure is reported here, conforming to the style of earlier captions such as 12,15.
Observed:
7,06
